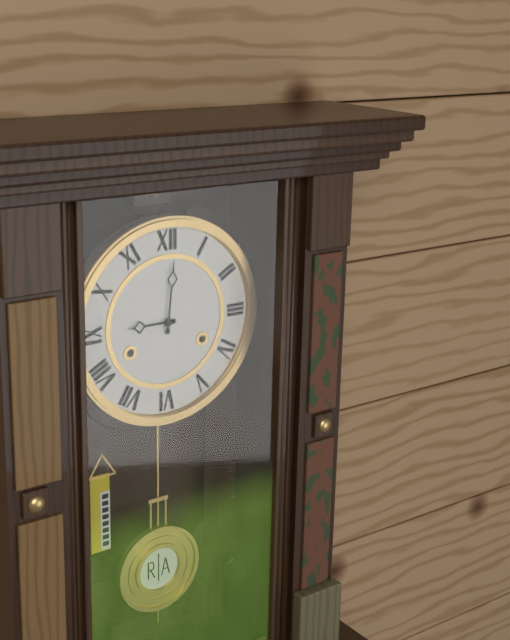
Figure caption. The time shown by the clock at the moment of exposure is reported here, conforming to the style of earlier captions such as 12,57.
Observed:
9,01
